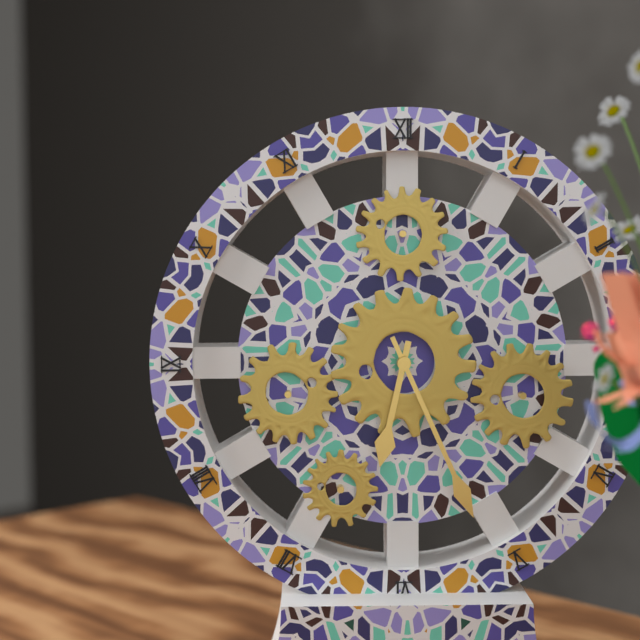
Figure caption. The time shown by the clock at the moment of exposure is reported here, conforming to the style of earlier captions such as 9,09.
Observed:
6,26
